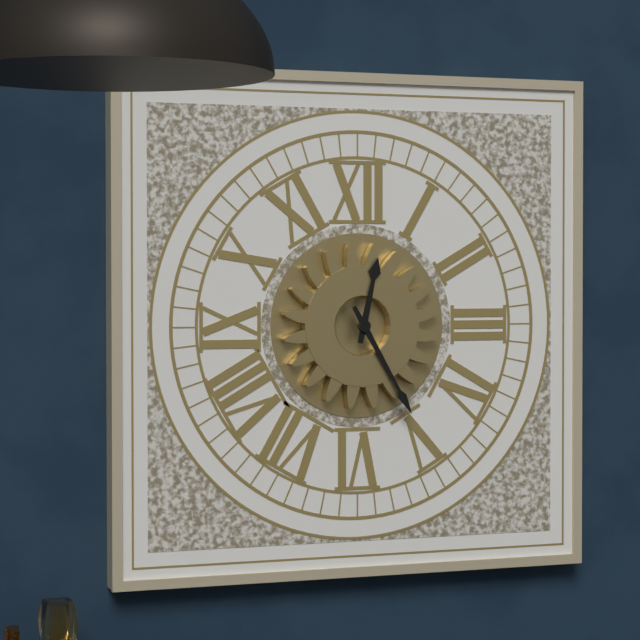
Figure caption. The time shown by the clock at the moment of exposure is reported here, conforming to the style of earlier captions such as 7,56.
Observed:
12,25
